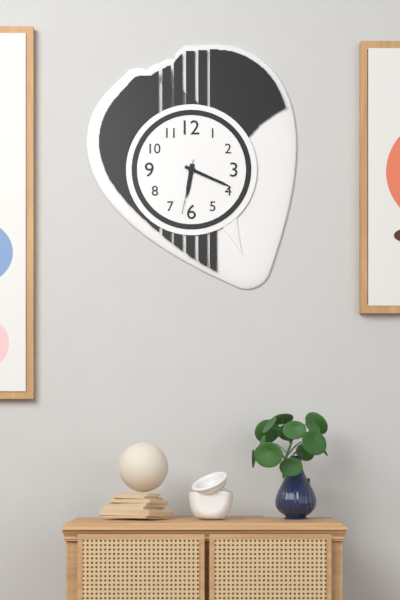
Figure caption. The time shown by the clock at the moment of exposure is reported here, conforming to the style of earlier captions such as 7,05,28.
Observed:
6,19,32
